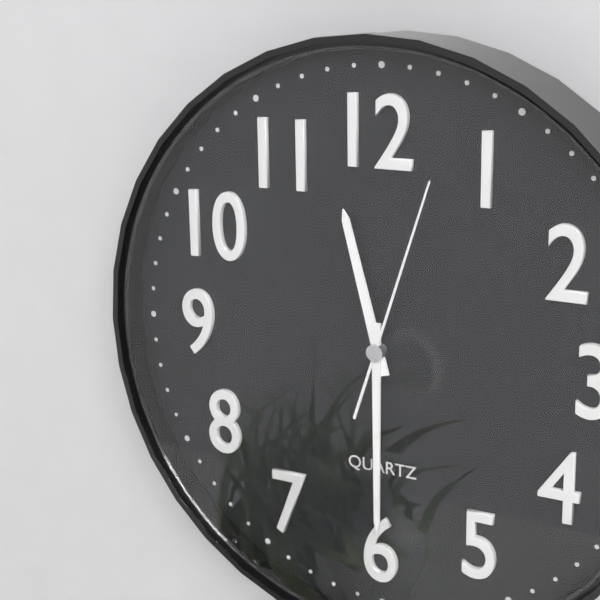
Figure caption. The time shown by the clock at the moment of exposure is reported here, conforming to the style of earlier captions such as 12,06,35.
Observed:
11,30,03
